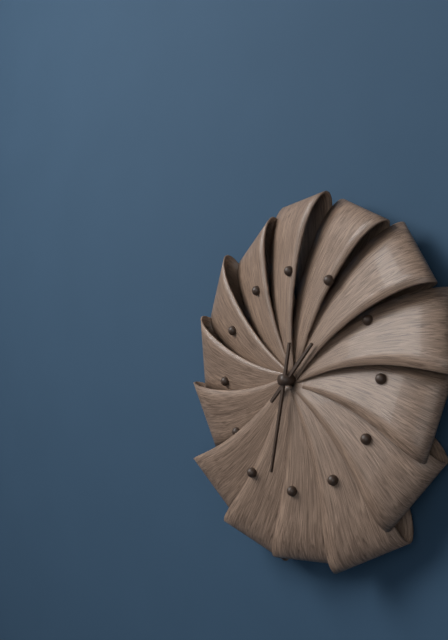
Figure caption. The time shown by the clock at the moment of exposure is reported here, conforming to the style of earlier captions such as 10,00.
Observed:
1,32
